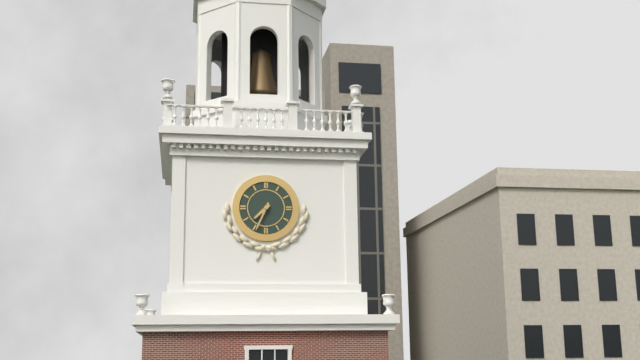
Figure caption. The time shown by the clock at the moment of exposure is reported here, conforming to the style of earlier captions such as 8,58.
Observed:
7,34
